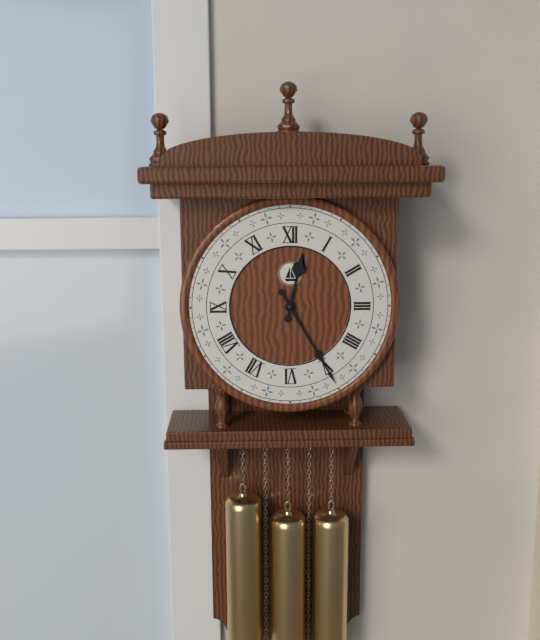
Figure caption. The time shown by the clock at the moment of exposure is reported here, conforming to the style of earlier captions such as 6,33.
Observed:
12,25
